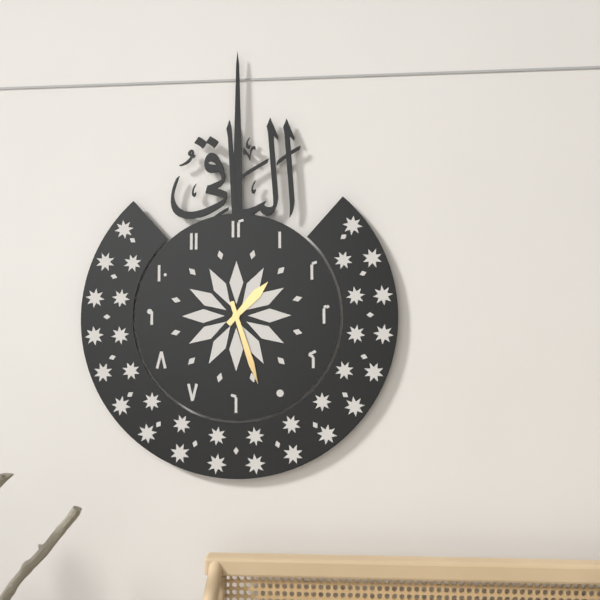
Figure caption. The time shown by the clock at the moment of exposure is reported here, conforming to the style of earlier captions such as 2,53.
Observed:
1,27
